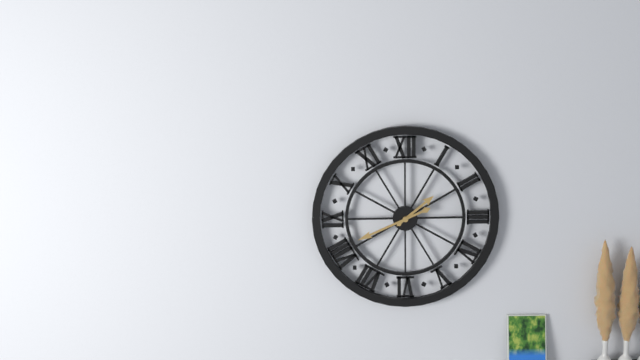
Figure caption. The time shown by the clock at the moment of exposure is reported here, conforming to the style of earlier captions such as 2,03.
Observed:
1,41
